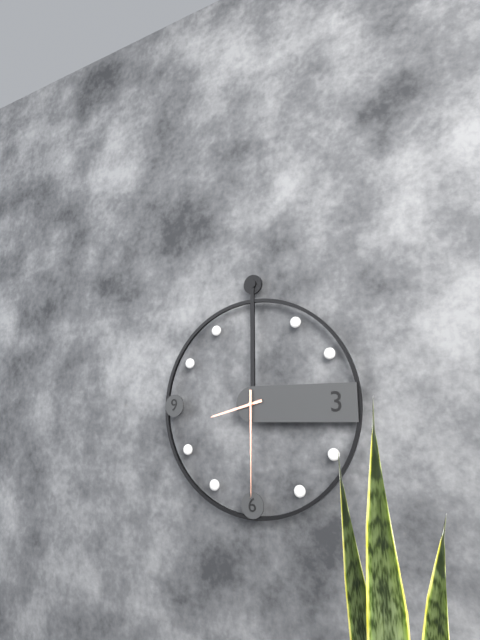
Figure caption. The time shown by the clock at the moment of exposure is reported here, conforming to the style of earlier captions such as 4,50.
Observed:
8,30
